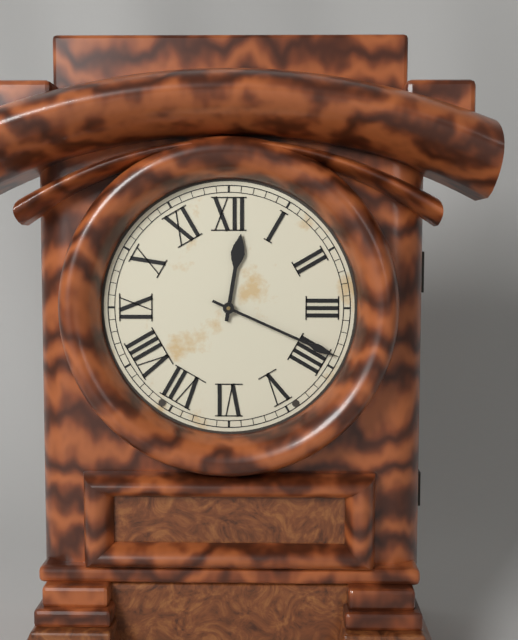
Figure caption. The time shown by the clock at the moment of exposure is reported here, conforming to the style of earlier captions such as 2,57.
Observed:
12,19
